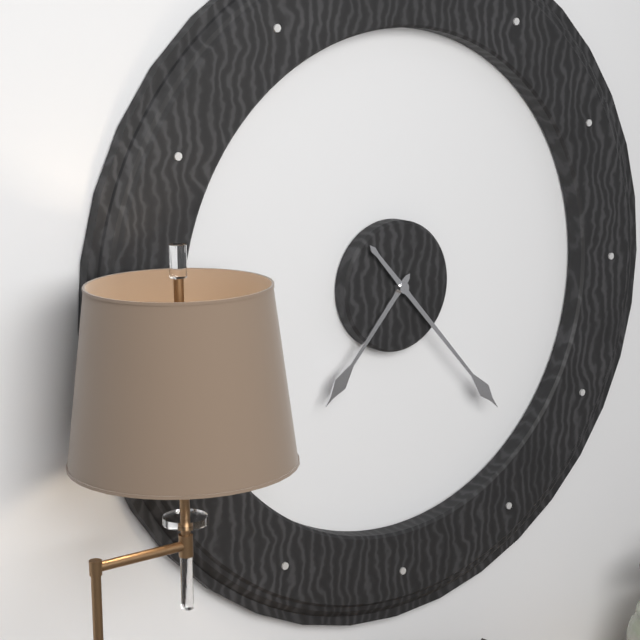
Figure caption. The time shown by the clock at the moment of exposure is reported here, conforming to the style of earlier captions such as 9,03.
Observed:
7,23
